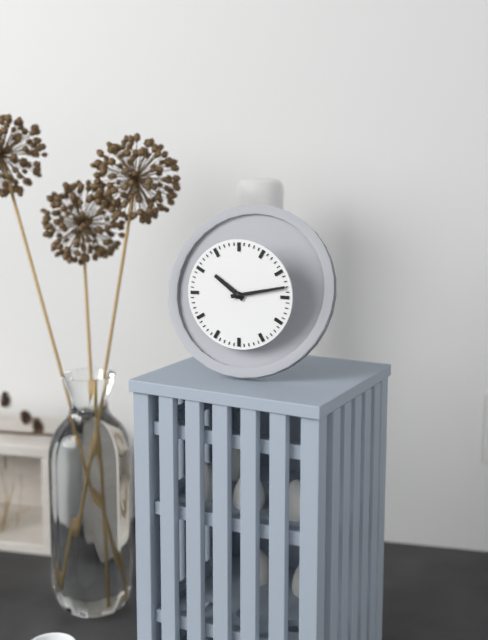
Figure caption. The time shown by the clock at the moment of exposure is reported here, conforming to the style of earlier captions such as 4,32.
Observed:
10,13
